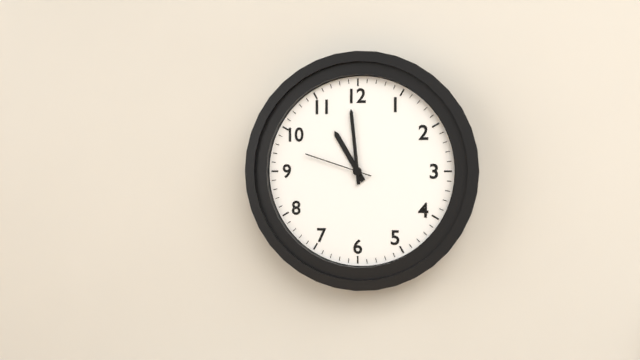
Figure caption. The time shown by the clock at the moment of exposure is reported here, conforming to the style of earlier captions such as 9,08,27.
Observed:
10,59,48
